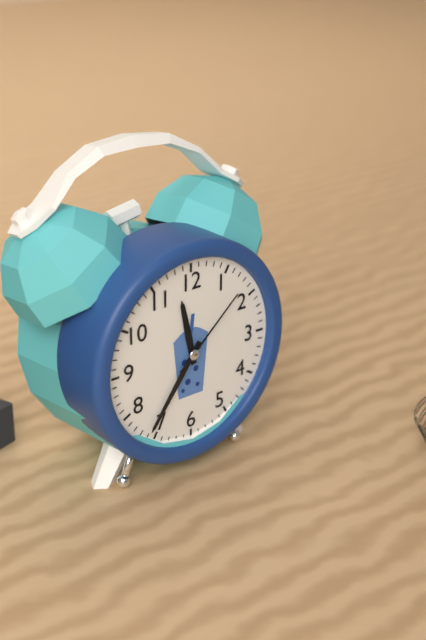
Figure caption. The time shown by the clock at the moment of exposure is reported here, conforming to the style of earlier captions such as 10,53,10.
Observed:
11,36,08
